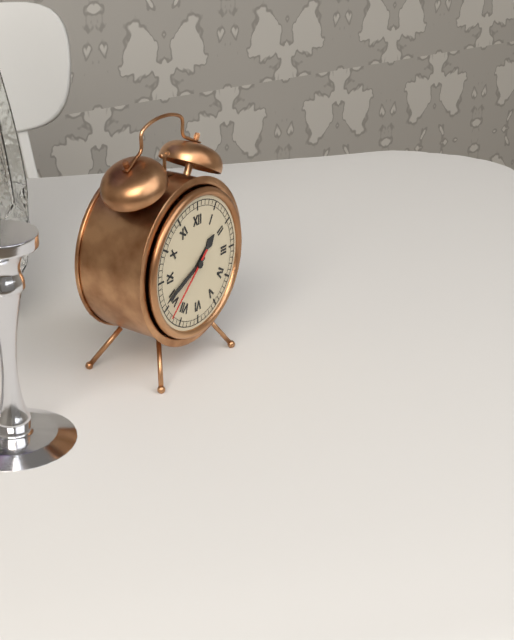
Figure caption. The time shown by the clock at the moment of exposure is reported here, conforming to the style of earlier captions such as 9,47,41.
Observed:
1,41,38
